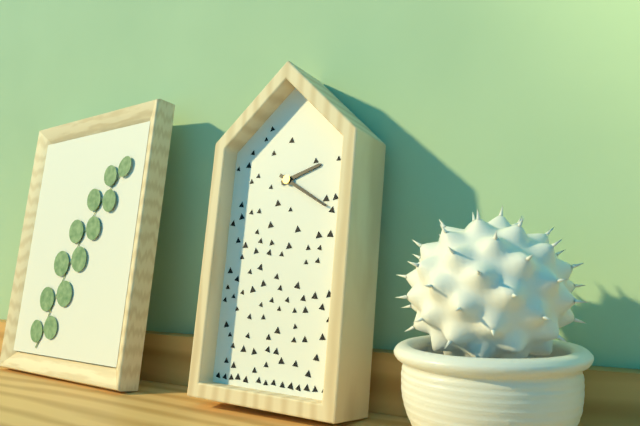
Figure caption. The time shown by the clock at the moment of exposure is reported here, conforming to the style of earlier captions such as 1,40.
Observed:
2,20
